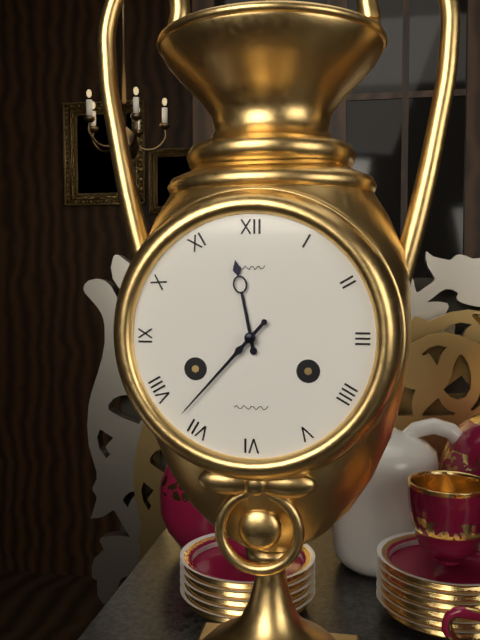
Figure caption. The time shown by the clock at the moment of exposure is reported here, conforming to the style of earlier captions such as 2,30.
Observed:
11,37
